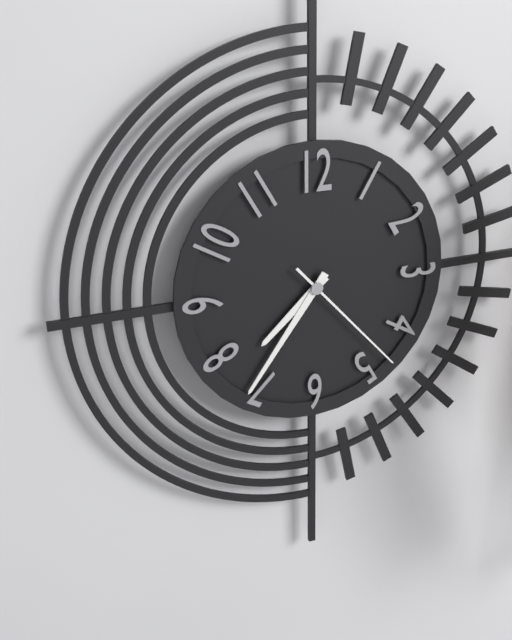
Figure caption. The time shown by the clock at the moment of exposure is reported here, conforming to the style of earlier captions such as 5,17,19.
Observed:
7,36,23
